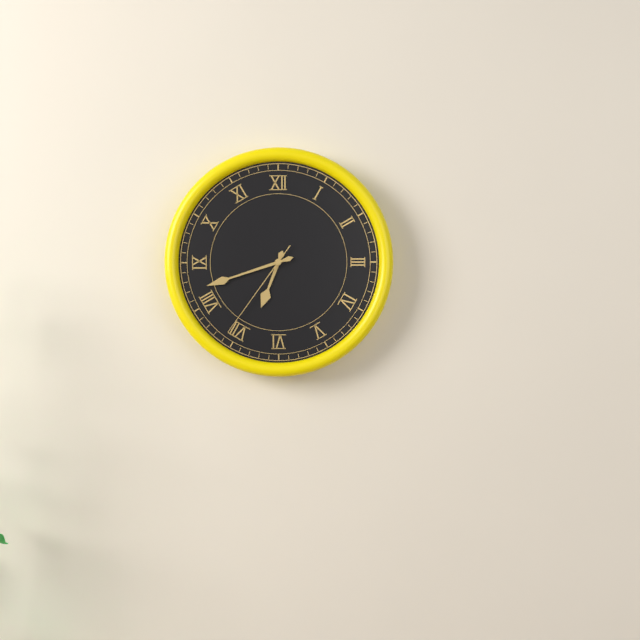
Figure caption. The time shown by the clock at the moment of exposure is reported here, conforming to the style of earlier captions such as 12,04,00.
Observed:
6,42,36
